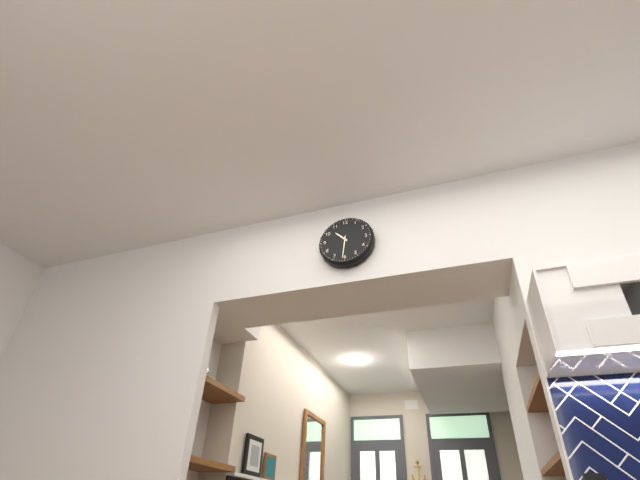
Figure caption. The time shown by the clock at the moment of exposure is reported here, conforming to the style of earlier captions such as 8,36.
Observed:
10,31
